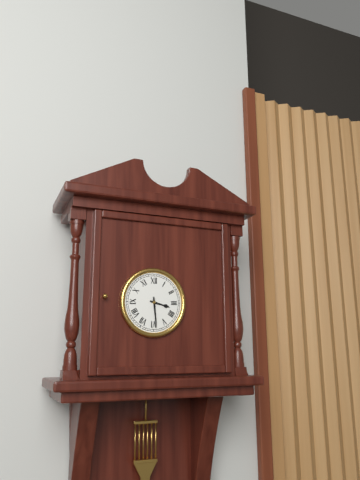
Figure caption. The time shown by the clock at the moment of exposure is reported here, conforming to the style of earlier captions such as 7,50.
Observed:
3,29
